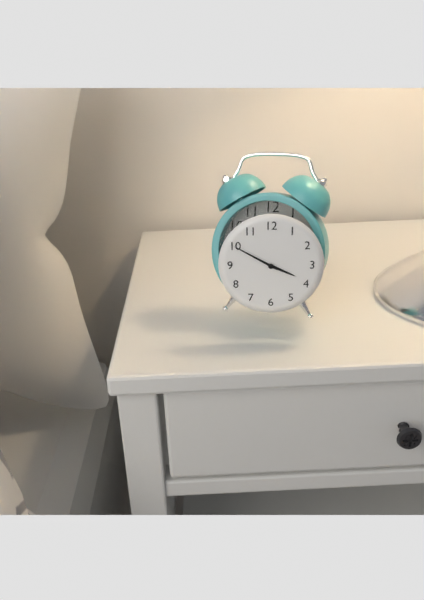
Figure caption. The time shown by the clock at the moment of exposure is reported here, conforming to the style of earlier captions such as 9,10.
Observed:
3,50
